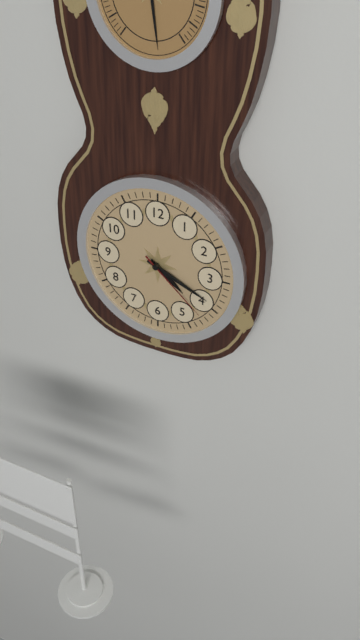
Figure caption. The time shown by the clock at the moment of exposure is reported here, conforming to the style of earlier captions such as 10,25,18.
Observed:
4,19,22
